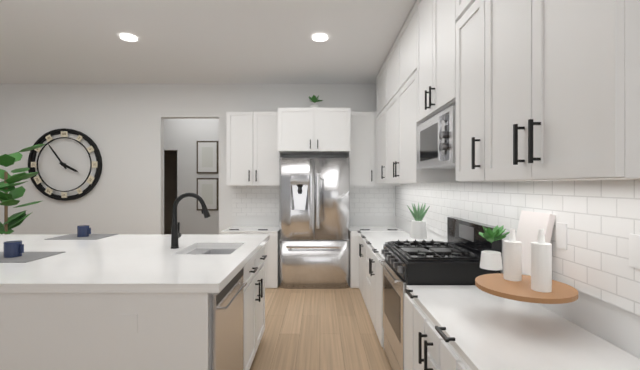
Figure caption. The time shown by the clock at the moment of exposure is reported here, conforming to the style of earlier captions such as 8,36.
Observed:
3,54
